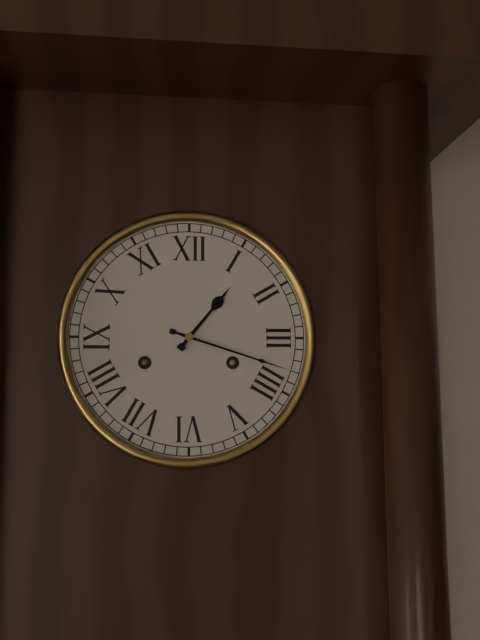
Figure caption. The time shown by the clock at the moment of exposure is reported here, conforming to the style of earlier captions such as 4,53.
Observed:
1,18
